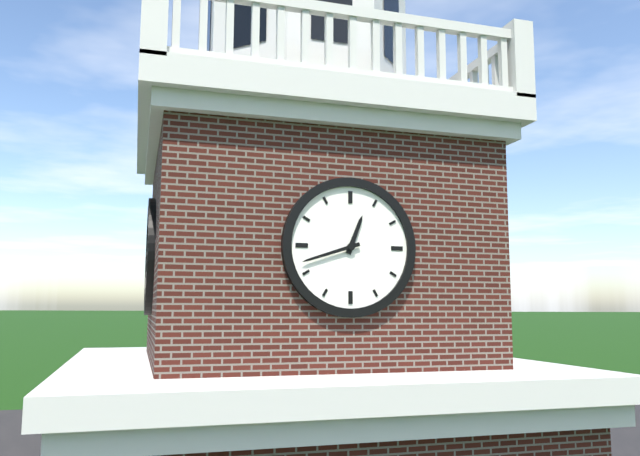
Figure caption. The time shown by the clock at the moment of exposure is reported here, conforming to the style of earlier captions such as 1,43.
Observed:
12,42
